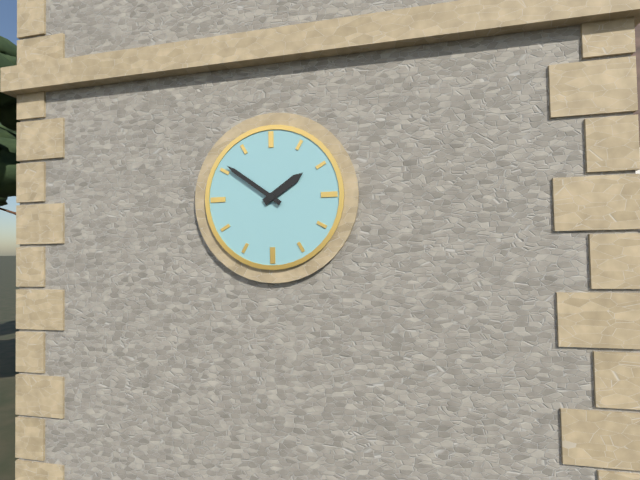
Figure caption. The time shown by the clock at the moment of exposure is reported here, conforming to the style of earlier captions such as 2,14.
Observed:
1,51
